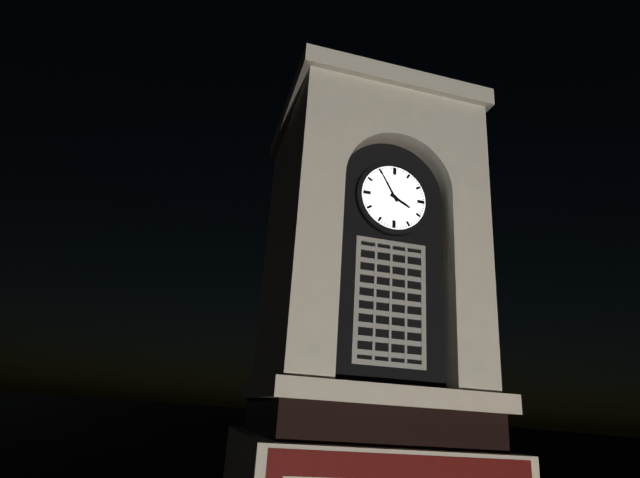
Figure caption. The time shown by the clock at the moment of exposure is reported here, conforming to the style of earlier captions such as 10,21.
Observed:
3,55
